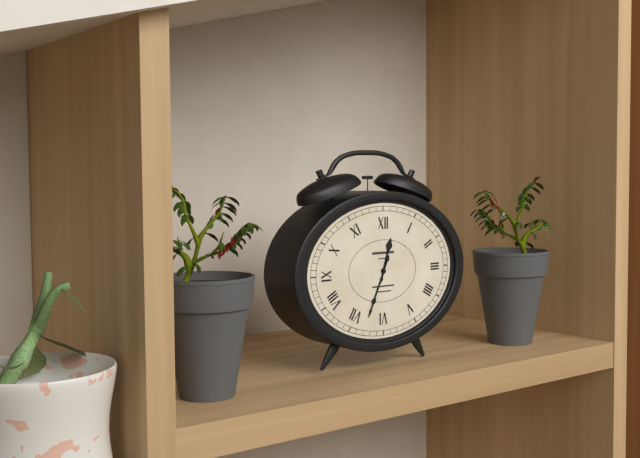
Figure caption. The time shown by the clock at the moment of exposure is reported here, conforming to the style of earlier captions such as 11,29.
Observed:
12,34
